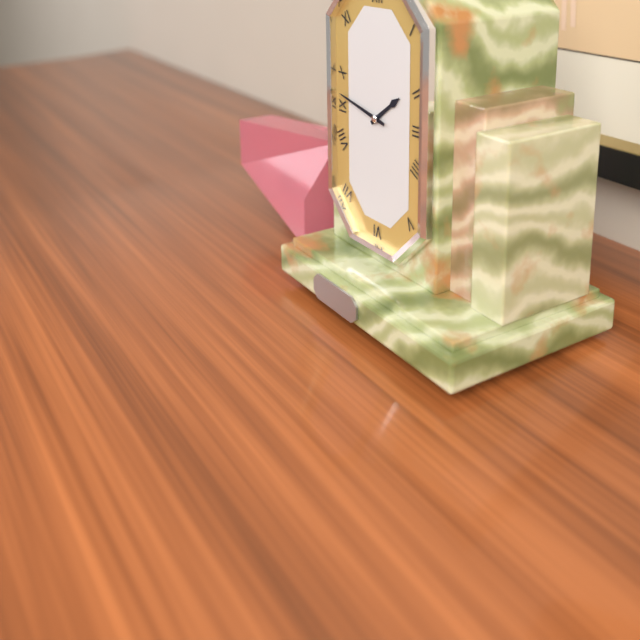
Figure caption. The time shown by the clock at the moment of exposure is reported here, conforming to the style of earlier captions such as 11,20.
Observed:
1,47
